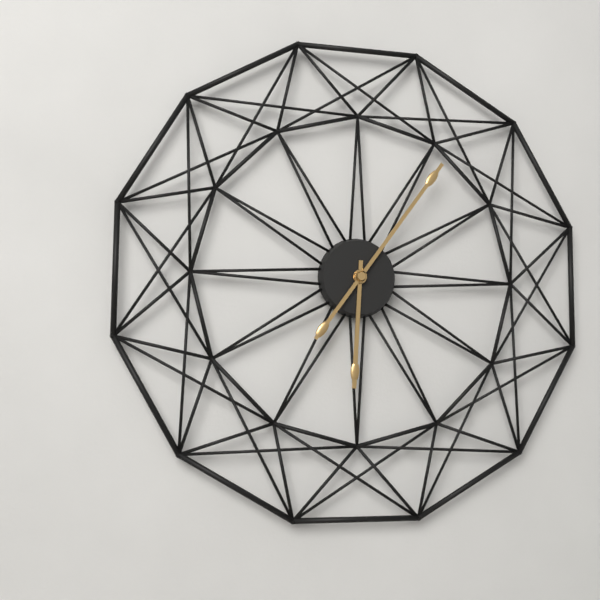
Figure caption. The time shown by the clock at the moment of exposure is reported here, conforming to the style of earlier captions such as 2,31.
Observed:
6,06
